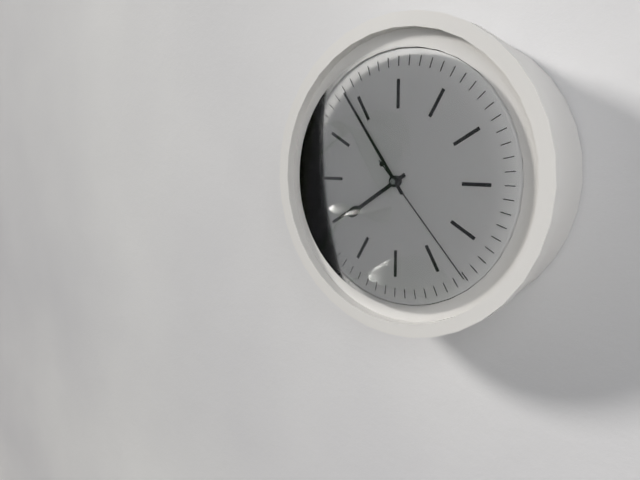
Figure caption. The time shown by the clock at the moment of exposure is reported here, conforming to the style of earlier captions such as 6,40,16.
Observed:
7,54,23
